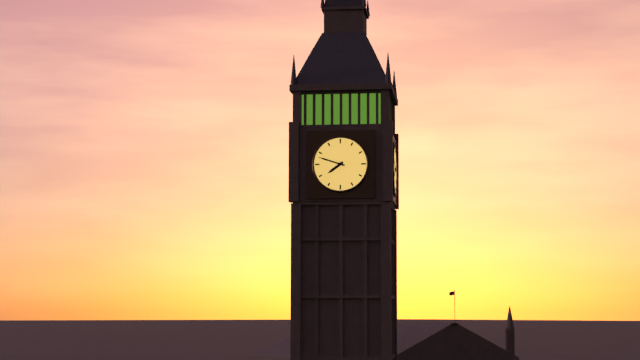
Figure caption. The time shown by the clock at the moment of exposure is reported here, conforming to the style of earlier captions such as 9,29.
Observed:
7,48
